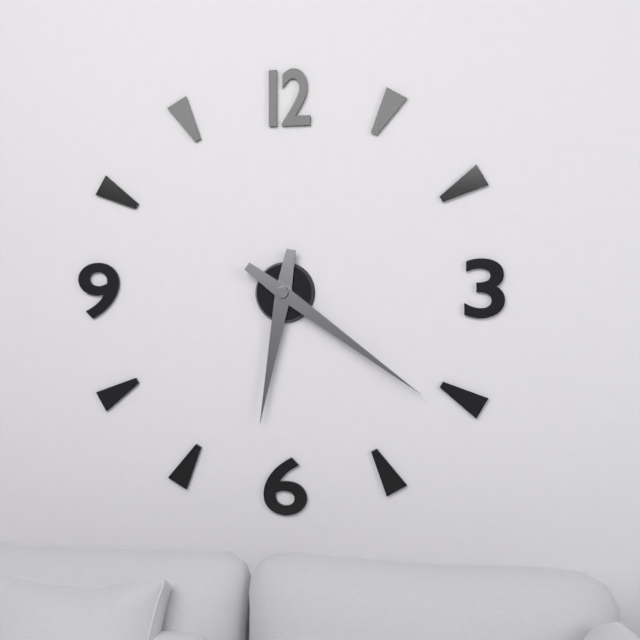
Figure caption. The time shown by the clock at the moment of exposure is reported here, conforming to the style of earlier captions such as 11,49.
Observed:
6,21
